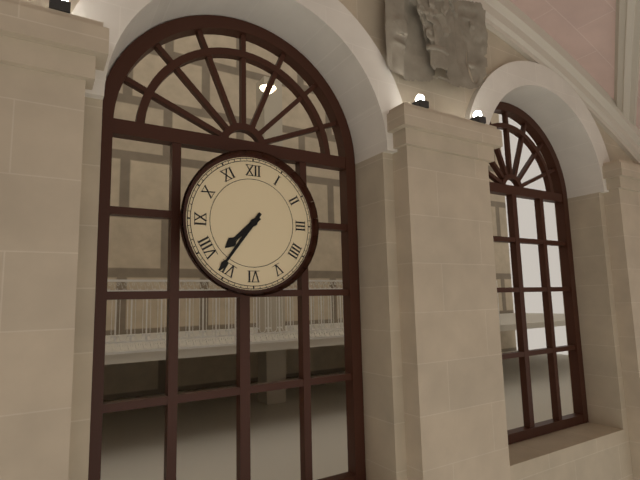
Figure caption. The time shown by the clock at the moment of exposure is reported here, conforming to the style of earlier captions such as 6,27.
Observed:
7,36
